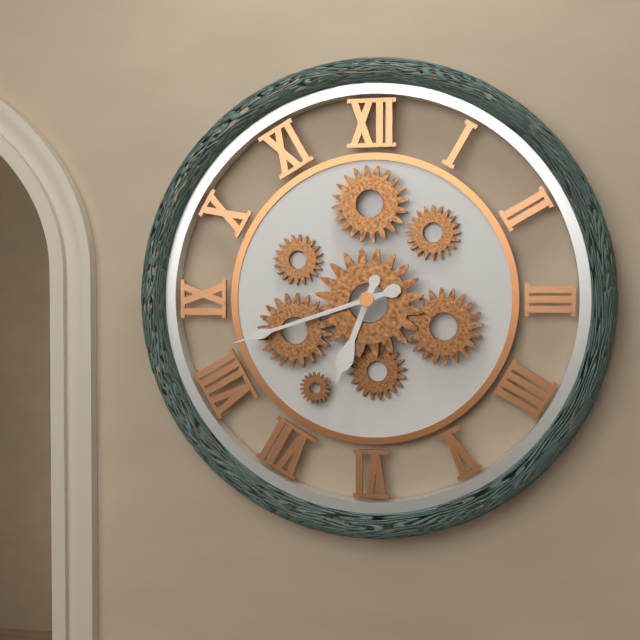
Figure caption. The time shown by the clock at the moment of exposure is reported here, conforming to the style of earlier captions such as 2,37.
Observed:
6,42
